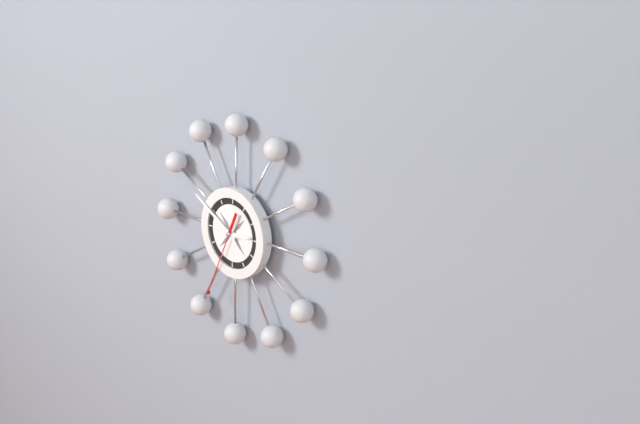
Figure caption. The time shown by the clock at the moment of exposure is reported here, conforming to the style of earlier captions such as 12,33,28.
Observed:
2,50,34
